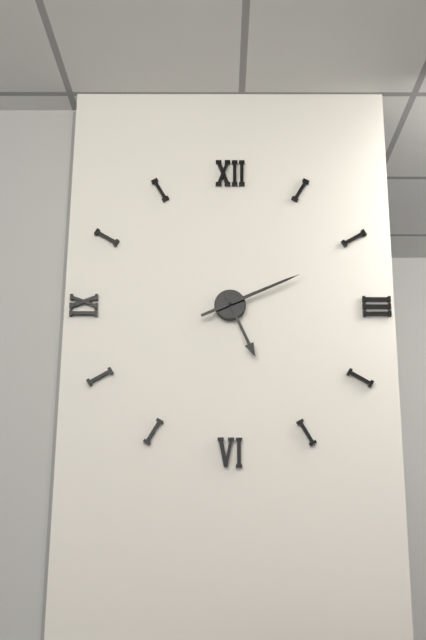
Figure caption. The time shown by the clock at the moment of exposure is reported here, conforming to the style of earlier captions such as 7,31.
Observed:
5,11
